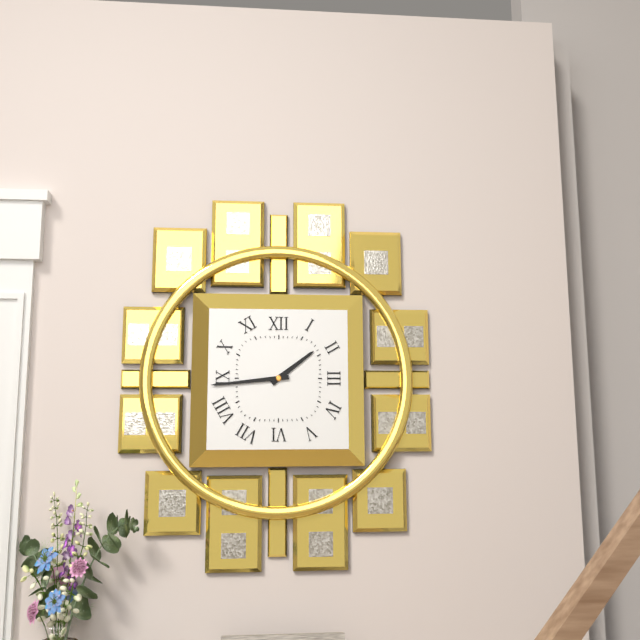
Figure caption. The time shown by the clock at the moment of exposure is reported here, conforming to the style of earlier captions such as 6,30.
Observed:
1,44
